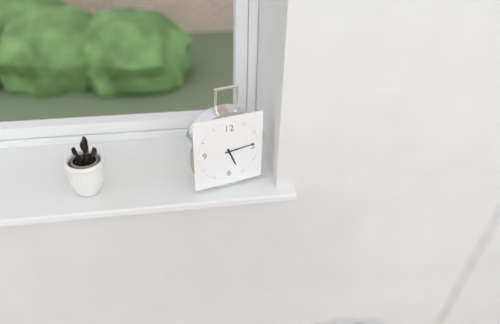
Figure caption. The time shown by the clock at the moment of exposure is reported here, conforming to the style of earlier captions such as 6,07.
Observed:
5,14
